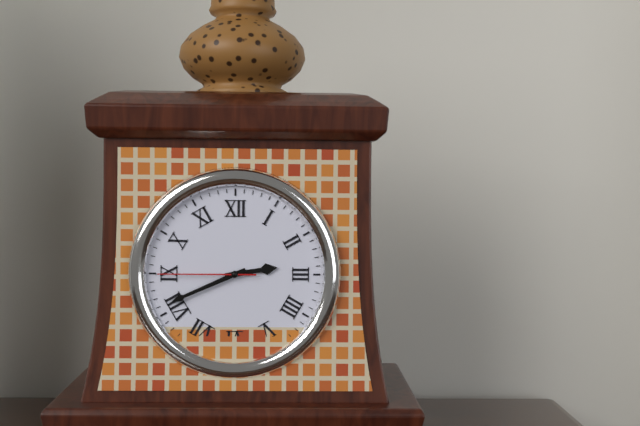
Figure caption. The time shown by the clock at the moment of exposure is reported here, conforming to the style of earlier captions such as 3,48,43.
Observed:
2,41,45
